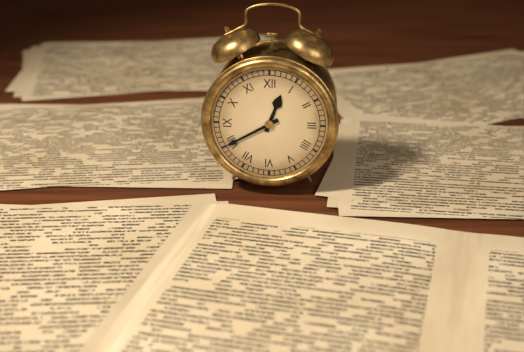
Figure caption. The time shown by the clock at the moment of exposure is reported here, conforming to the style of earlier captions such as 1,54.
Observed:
12,40
